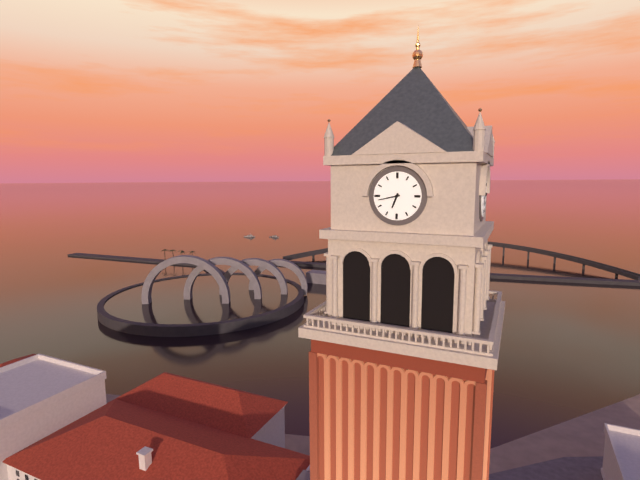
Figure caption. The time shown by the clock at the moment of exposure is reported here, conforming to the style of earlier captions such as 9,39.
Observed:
6,43
